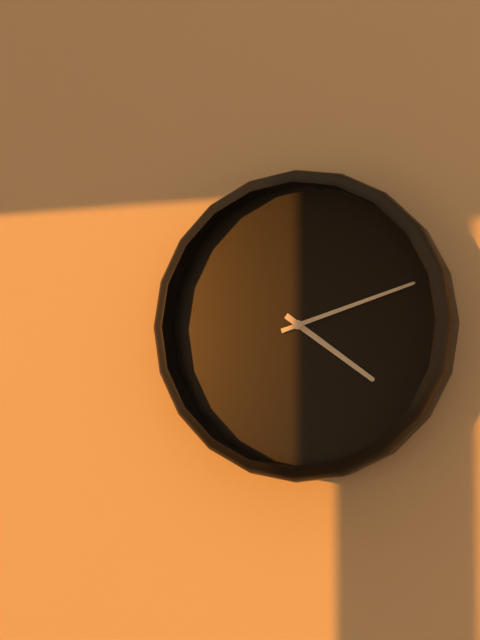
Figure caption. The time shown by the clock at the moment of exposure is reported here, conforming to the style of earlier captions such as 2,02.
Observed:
4,12
